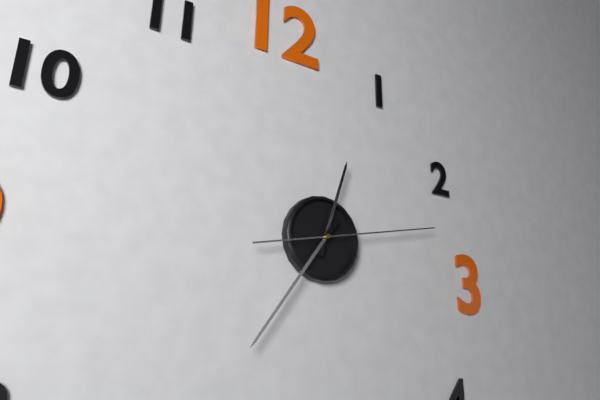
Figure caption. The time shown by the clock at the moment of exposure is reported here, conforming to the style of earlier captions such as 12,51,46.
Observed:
12,36,13
